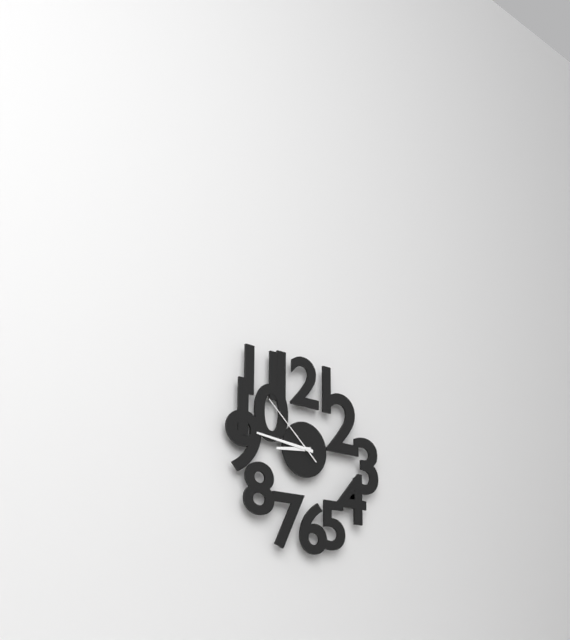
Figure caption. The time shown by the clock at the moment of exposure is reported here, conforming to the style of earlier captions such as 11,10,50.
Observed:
8,46,52
